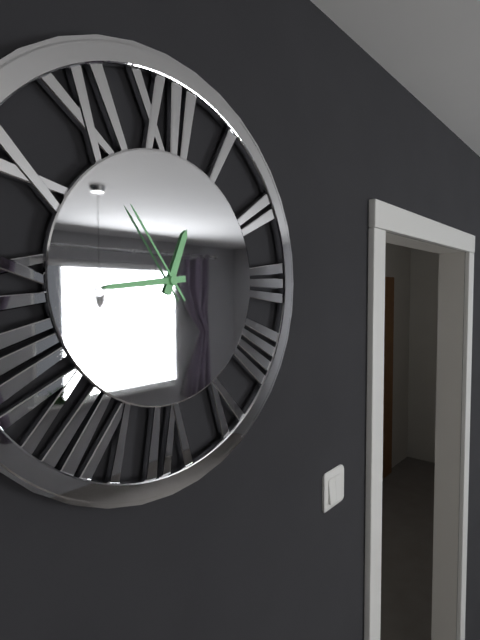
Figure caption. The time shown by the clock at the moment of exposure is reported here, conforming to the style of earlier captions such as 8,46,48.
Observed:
12,44,54
